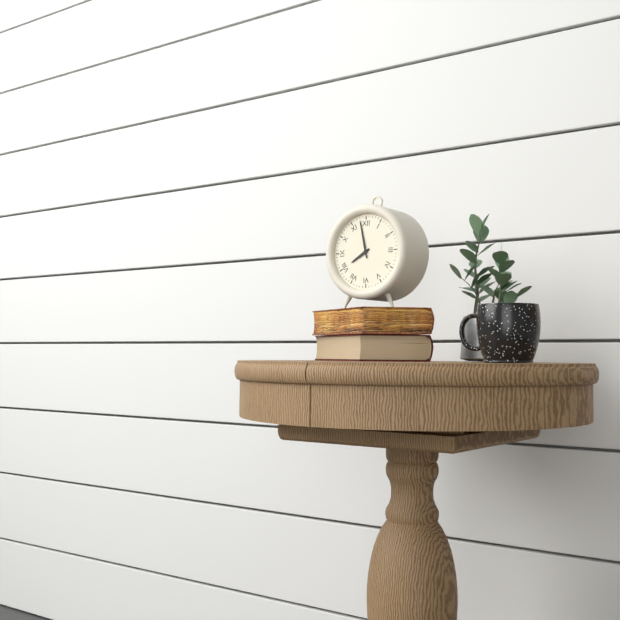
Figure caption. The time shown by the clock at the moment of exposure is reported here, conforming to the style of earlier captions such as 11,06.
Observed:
7,58
